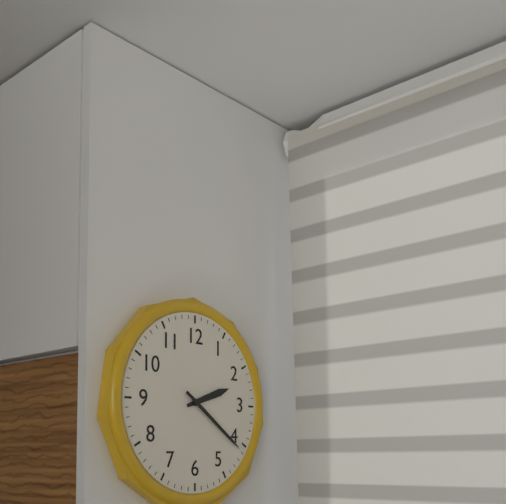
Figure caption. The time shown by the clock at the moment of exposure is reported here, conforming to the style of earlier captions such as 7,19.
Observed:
2,21
